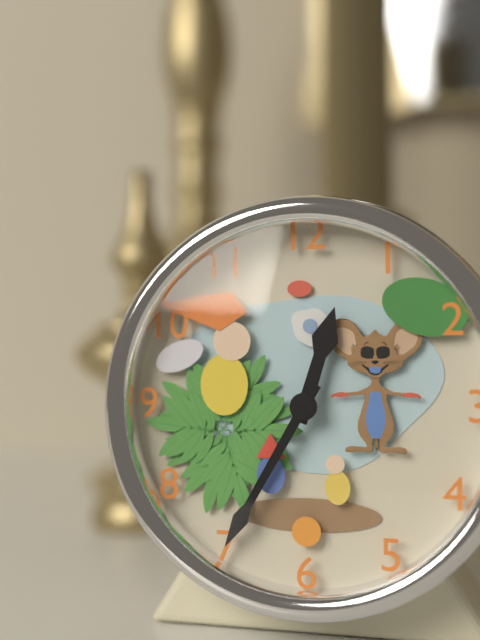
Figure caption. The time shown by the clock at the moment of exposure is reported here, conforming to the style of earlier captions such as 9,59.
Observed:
12,35
